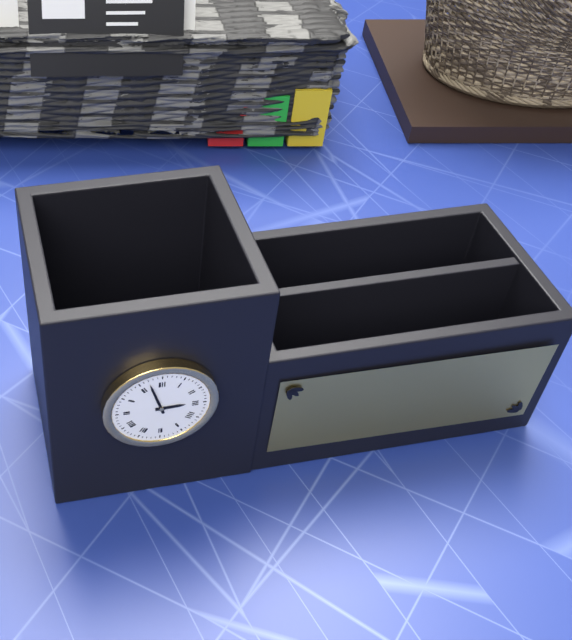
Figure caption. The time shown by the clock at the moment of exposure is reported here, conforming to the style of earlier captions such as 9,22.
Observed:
2,57
